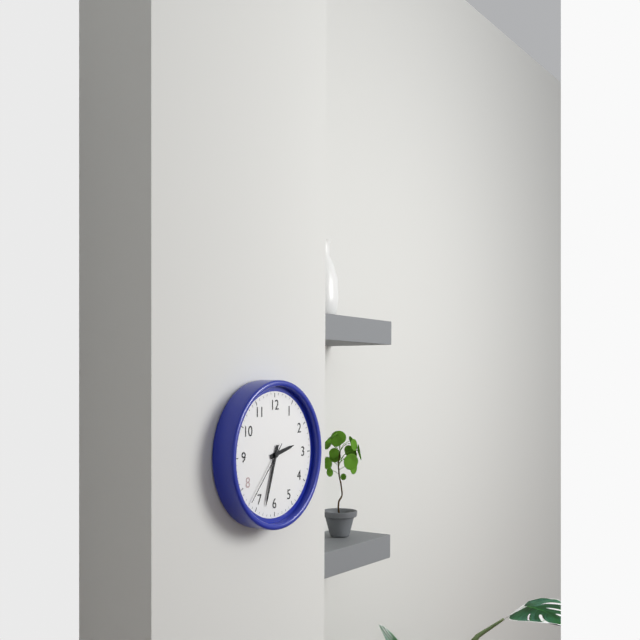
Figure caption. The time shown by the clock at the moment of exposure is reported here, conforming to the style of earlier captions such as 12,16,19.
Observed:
2,33,37
